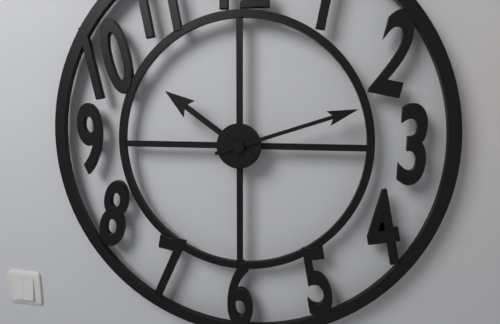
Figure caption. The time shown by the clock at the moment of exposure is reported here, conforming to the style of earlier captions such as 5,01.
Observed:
10,12
